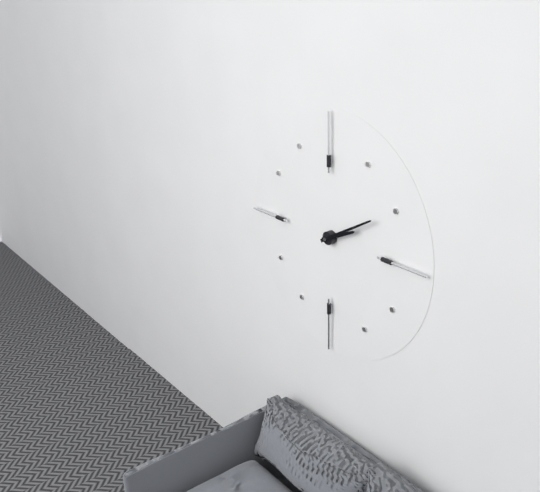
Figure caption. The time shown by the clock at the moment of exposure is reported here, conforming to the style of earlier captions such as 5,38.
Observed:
2,10
